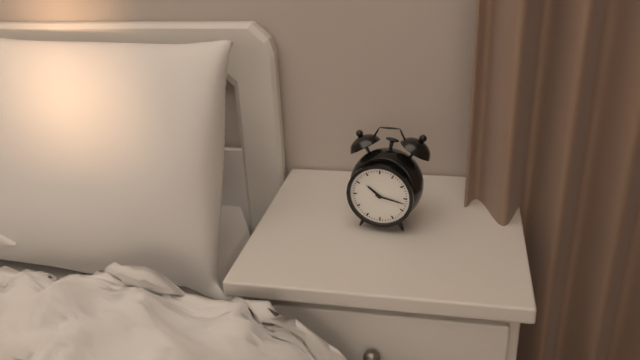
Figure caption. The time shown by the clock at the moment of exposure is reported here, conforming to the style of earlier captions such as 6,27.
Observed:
10,17
